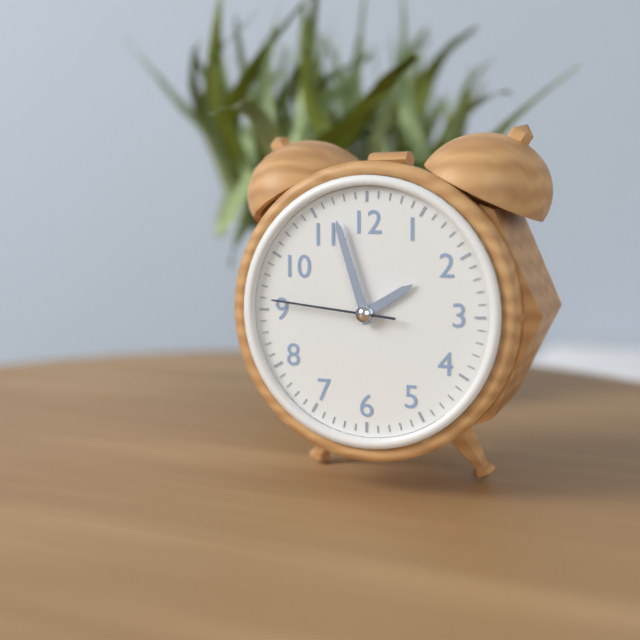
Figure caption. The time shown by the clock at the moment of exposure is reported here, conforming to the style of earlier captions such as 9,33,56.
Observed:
1,57,46
